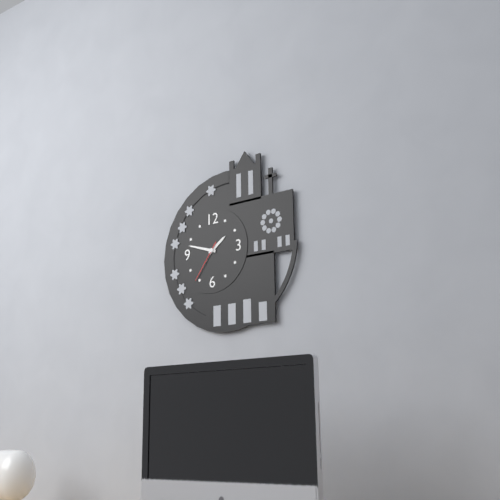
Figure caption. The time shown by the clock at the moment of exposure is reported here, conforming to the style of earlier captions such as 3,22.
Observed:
1,48
